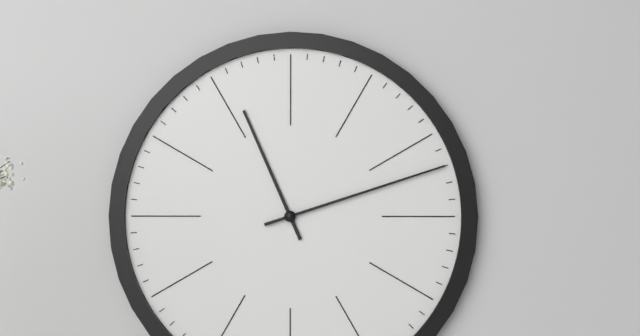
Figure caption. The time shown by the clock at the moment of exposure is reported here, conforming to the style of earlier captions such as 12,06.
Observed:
11,12
